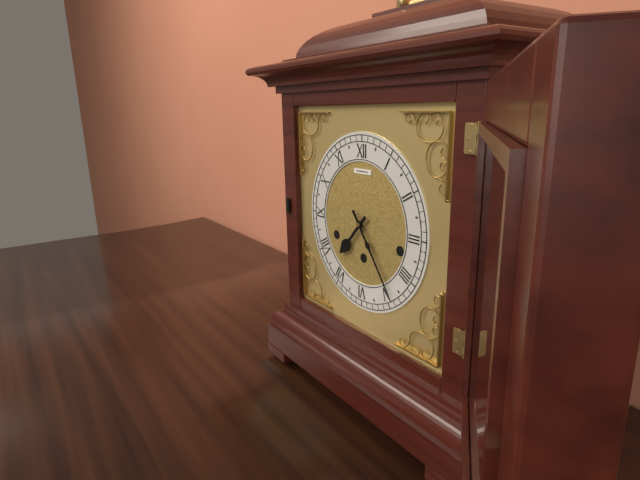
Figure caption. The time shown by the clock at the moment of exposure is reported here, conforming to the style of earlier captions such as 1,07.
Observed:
7,24
